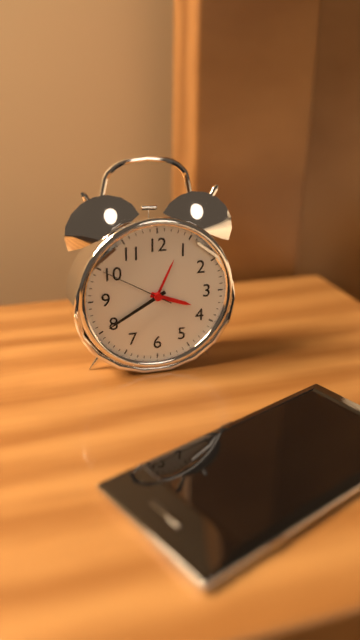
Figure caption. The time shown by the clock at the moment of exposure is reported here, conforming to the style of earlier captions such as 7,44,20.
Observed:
3,40,50
